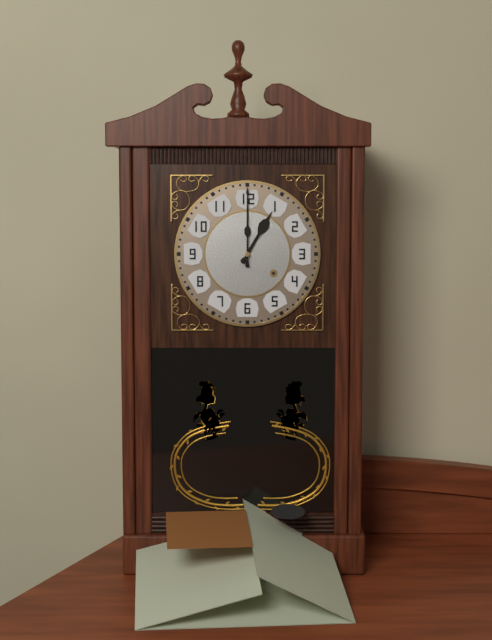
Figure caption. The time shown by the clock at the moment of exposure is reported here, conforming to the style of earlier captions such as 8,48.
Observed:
1,00
